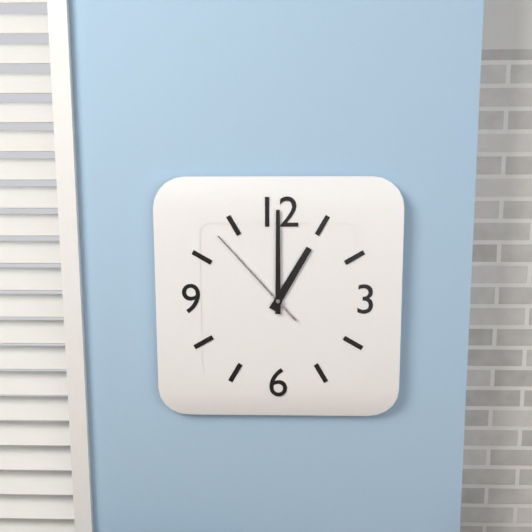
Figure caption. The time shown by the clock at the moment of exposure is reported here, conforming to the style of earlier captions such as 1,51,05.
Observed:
1,00,53
